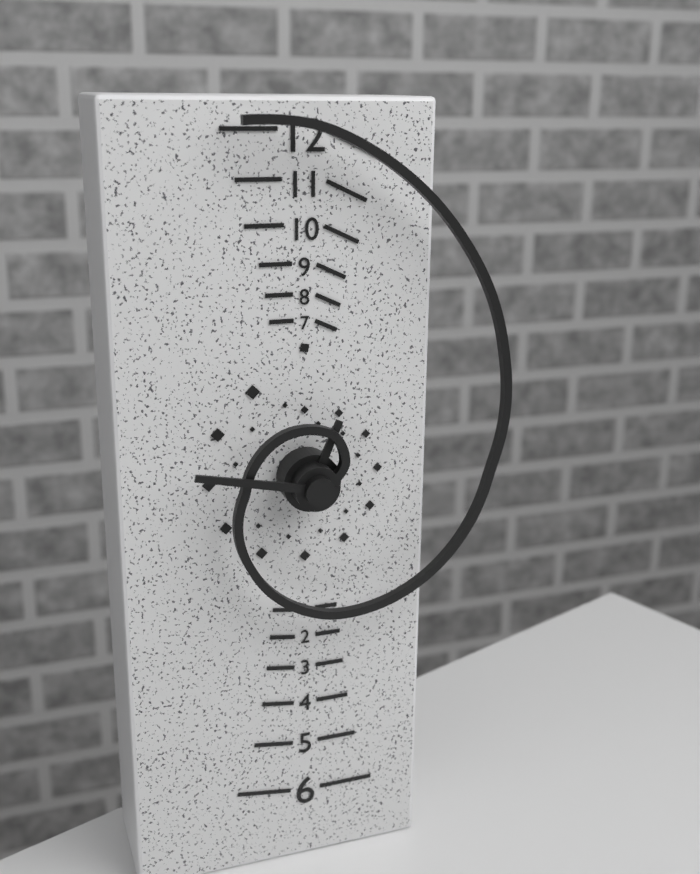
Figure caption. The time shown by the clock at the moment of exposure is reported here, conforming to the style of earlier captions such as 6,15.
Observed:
12,47
